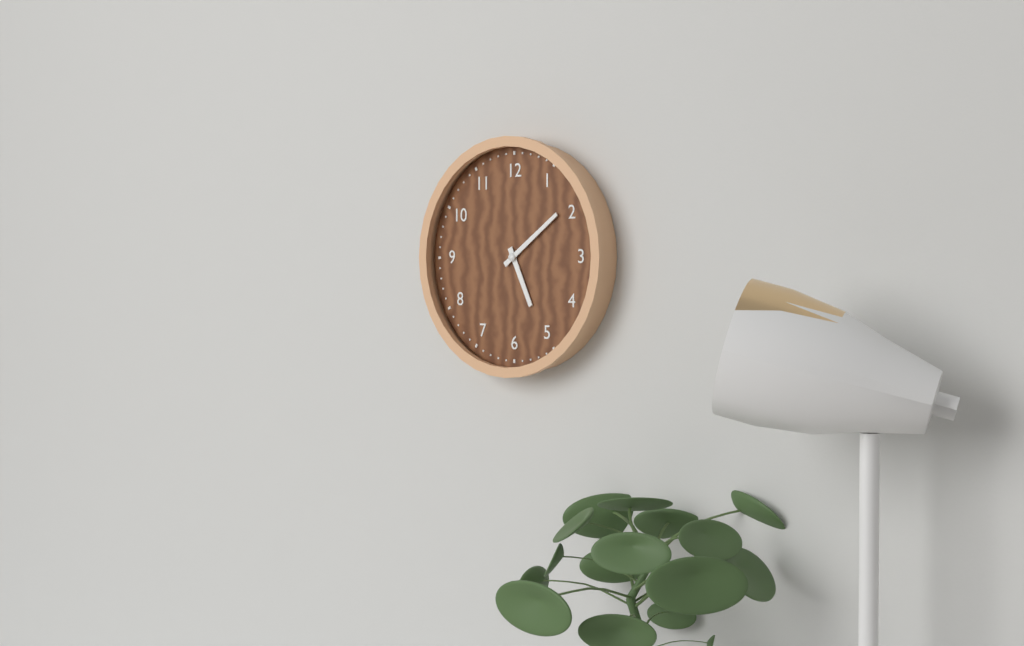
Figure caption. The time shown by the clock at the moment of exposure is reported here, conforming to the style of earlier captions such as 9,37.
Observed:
5,09
